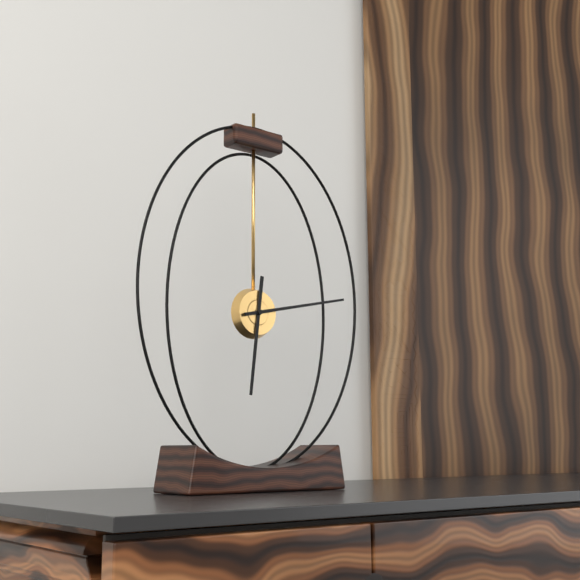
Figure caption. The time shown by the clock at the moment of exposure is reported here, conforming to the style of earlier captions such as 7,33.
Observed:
6,13
